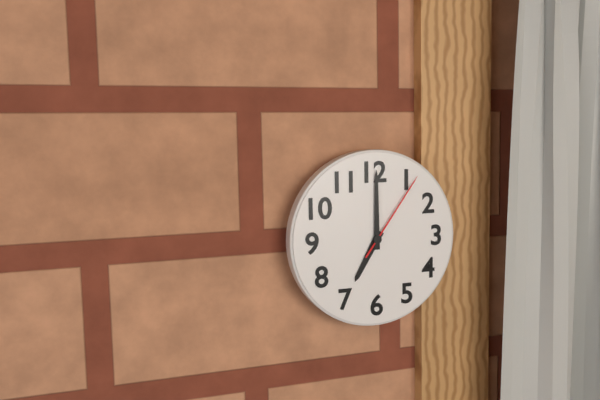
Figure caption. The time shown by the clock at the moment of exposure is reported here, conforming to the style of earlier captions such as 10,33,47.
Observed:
7,00,06
